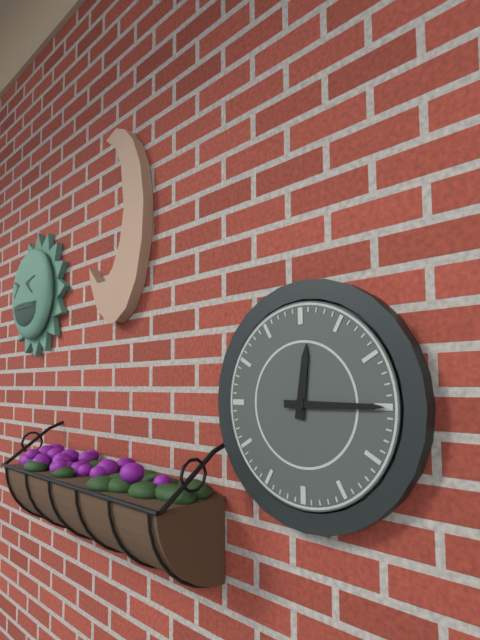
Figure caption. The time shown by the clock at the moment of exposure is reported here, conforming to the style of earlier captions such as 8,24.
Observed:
12,15
